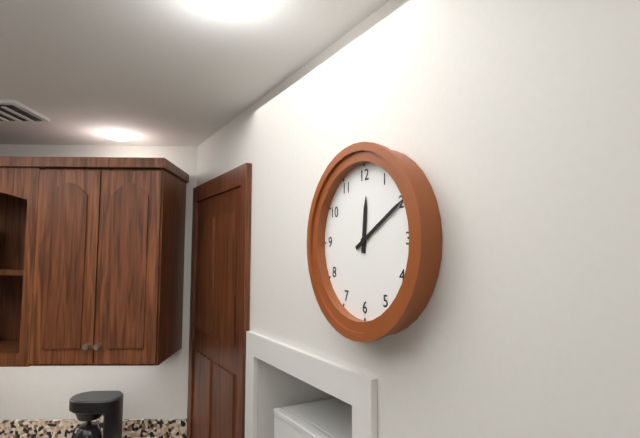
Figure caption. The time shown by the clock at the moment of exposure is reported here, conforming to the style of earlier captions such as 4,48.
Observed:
12,10
